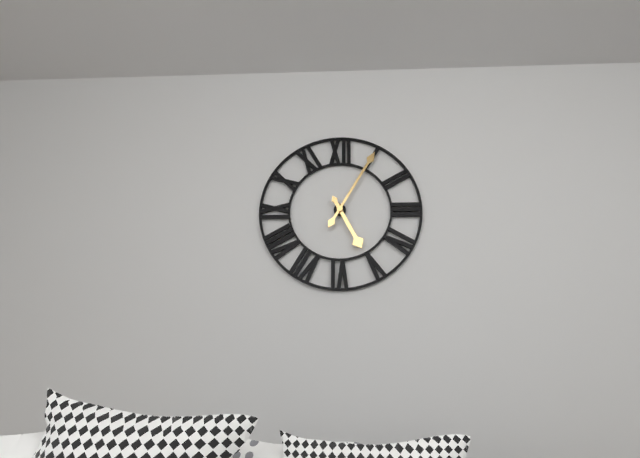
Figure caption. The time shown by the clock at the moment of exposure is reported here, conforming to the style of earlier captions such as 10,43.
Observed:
5,05
